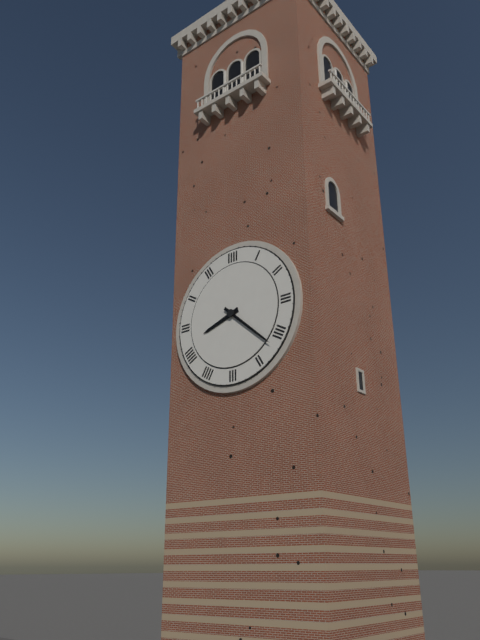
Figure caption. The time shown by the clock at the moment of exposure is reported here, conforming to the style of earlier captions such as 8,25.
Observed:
8,22
